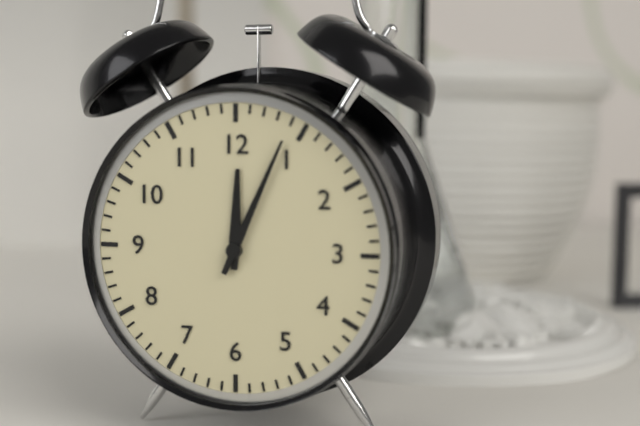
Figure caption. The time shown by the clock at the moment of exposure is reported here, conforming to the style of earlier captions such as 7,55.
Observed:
12,04
